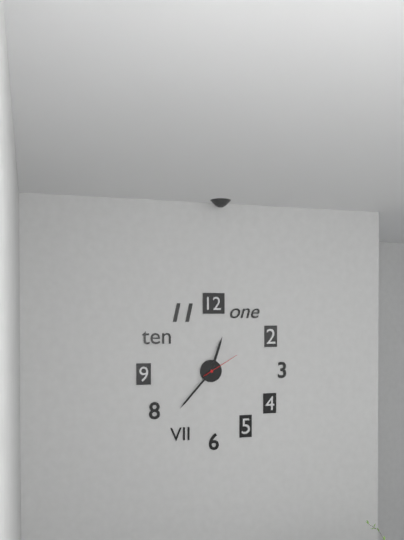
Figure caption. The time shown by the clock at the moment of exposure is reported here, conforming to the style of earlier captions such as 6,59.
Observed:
12,37
